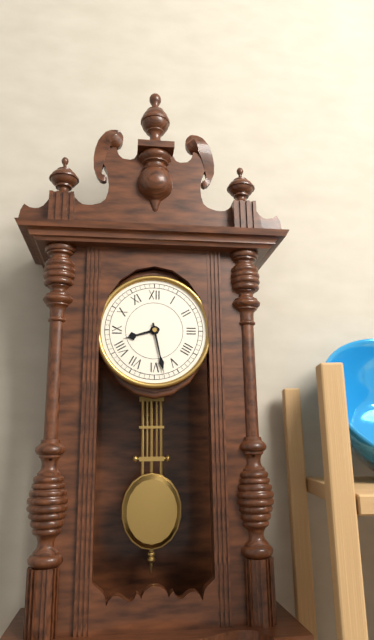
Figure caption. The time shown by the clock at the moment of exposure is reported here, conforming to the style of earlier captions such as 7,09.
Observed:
8,28
